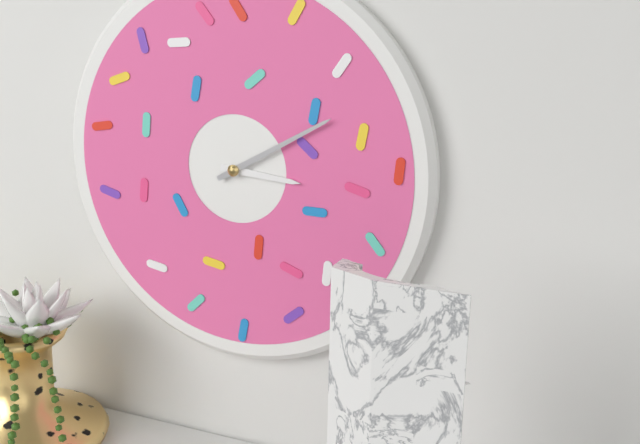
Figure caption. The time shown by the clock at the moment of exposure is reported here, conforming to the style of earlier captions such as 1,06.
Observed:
3,10
